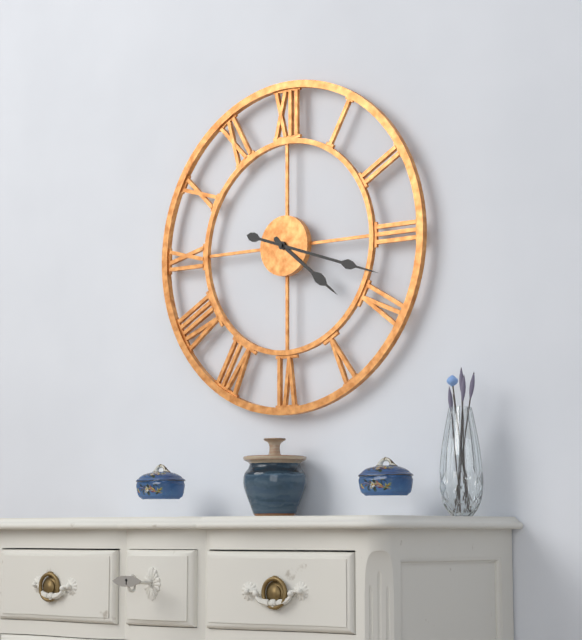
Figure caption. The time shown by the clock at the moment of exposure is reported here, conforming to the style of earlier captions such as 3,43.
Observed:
4,18
